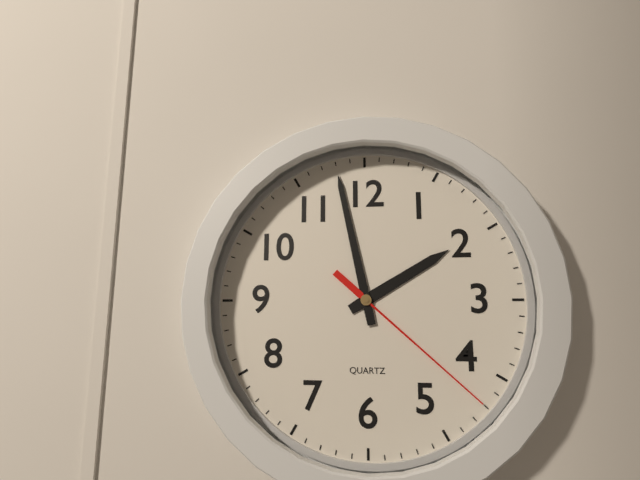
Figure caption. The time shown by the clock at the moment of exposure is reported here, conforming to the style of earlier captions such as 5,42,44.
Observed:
1,58,22
